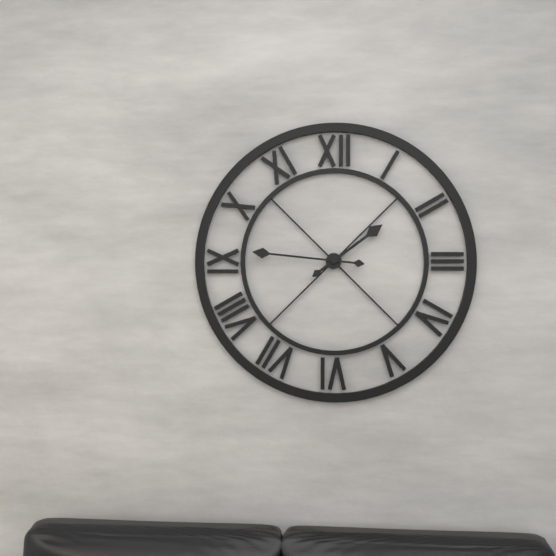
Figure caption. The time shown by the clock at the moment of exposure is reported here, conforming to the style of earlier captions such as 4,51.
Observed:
1,46
